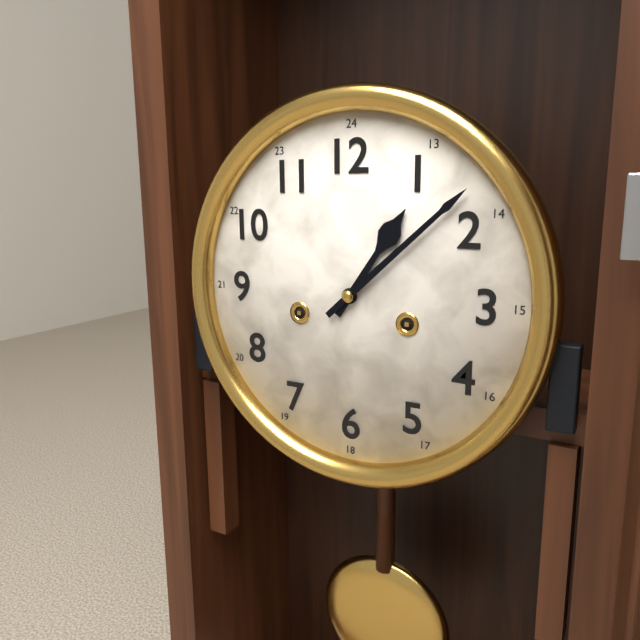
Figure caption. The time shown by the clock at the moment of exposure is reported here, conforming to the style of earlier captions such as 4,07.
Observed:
1,08
